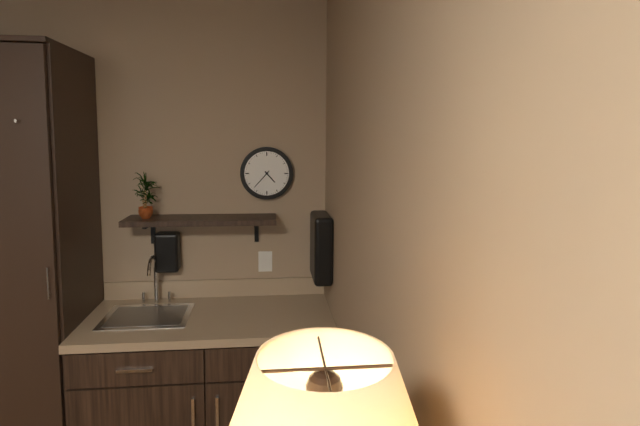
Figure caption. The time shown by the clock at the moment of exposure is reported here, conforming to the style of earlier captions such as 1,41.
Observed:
4,37
